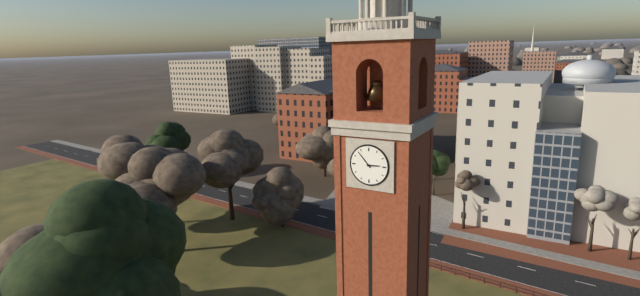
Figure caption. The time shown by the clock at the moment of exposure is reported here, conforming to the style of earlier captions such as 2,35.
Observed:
2,53
